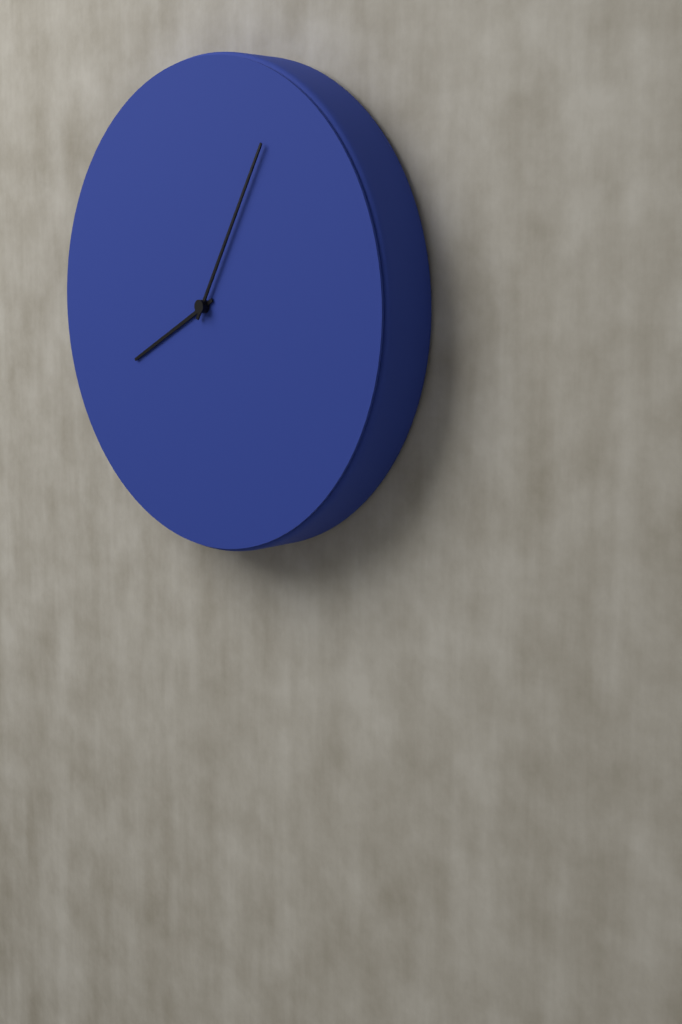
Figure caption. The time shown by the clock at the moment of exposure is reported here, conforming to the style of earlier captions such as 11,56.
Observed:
8,05
